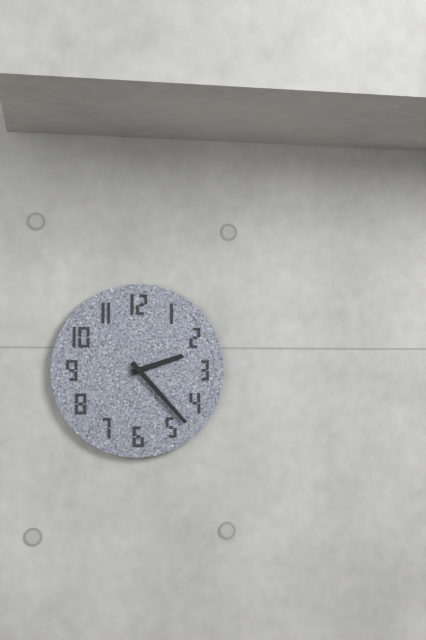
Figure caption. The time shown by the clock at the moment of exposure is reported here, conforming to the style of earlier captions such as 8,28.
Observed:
2,23
